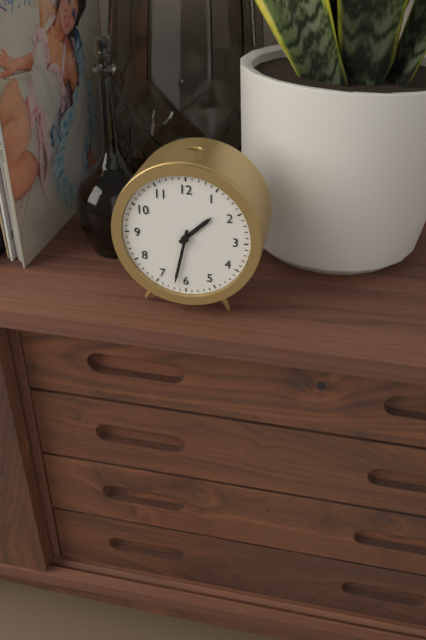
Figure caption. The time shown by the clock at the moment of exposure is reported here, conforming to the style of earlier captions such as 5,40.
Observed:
1,32
